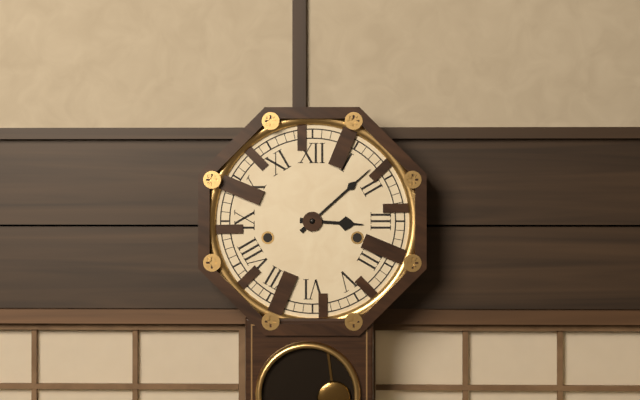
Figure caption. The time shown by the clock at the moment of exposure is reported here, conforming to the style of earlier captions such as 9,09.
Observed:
3,08
